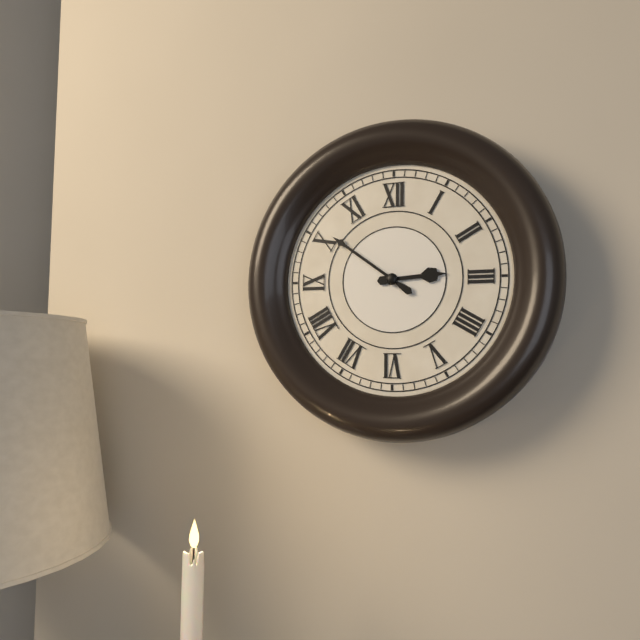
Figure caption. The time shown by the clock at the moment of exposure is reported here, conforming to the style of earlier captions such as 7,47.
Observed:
2,51
